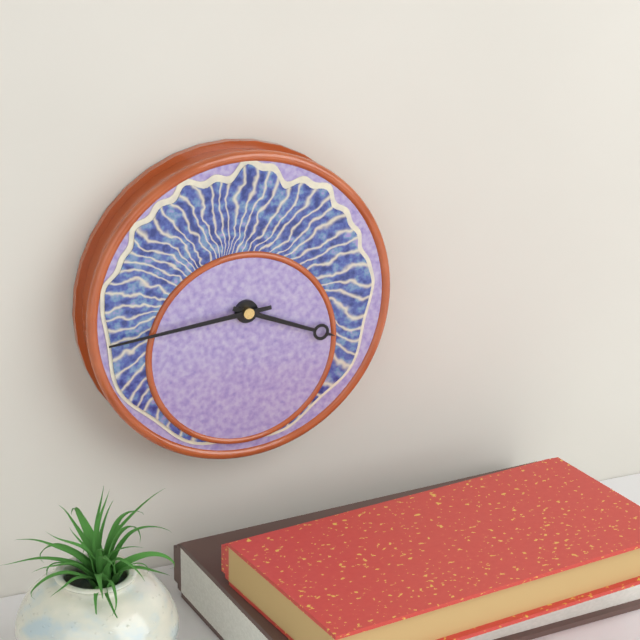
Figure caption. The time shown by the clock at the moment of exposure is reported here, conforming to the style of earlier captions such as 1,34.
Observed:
3,44
